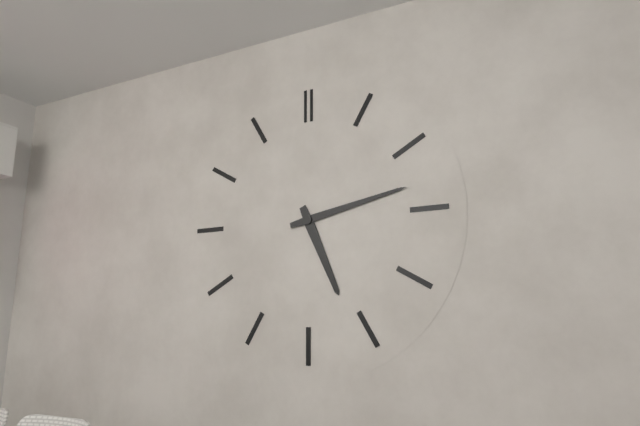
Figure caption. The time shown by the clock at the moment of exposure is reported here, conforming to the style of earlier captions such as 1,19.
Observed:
5,13
